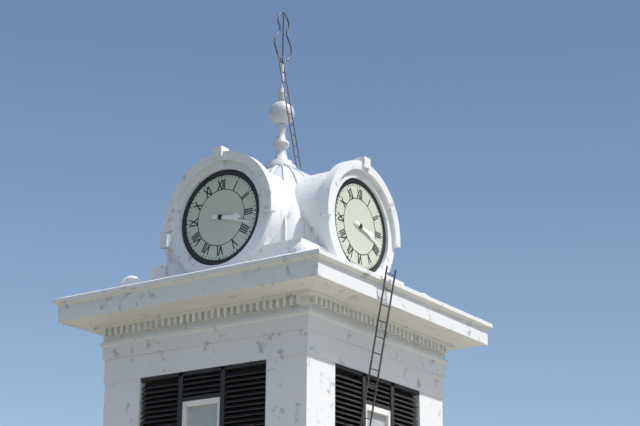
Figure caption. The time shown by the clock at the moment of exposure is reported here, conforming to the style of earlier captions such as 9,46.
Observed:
3,18
